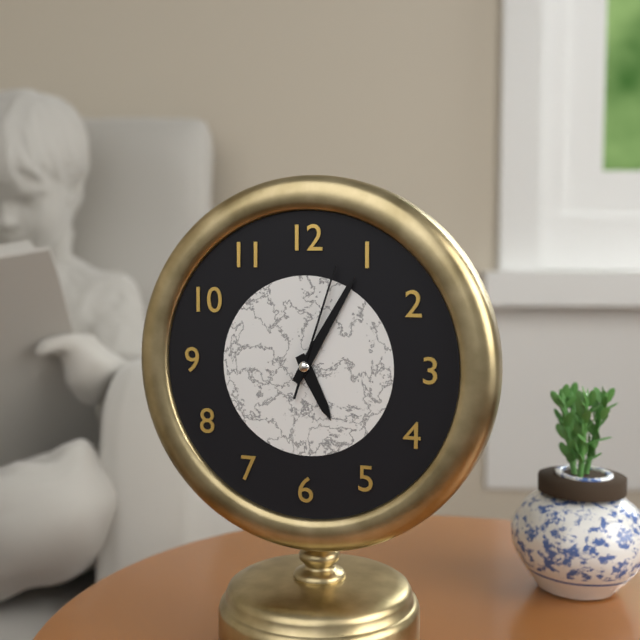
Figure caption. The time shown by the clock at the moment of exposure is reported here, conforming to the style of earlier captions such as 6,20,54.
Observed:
5,05,03
